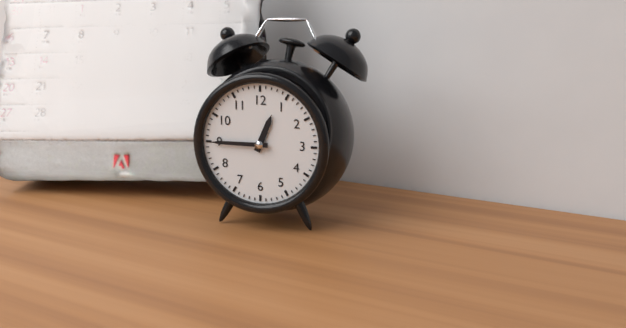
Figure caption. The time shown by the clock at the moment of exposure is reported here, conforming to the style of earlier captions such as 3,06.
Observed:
12,45
